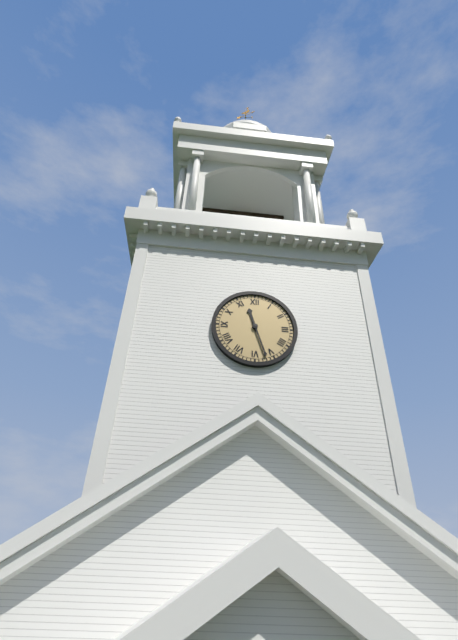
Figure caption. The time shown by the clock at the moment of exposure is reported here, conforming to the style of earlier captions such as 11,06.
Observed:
11,27
